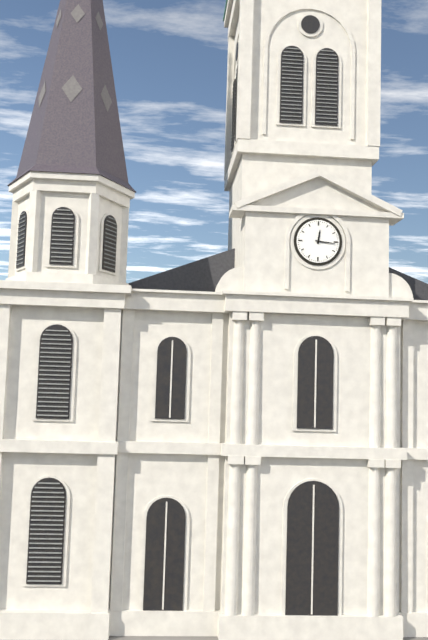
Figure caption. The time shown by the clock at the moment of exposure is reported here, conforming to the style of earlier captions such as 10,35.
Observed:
12,16
